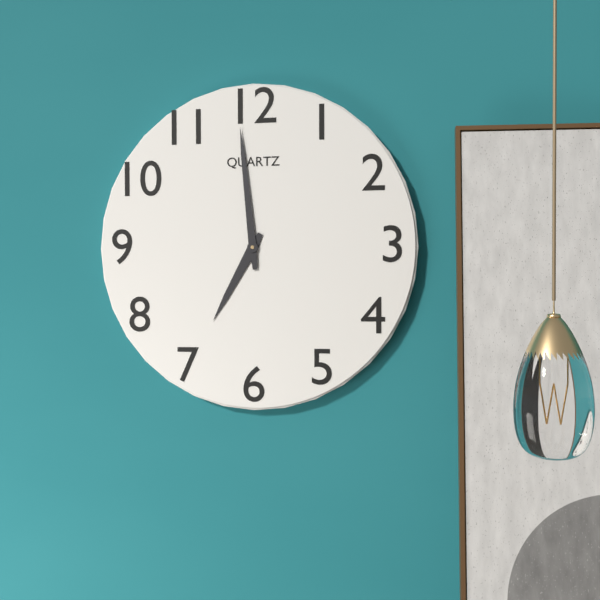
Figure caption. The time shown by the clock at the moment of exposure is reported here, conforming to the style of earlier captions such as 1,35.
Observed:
6,59
